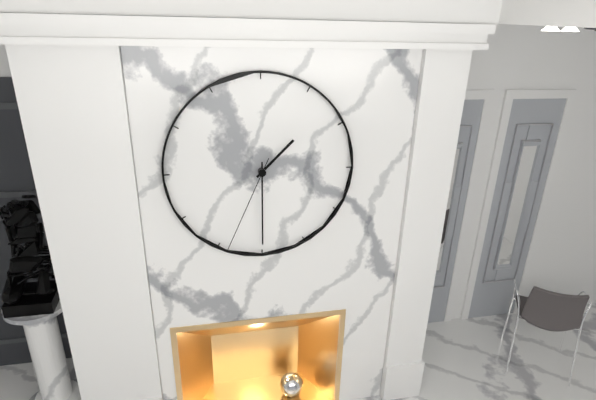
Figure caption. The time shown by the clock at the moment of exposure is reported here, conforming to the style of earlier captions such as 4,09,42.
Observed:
1,30,34
